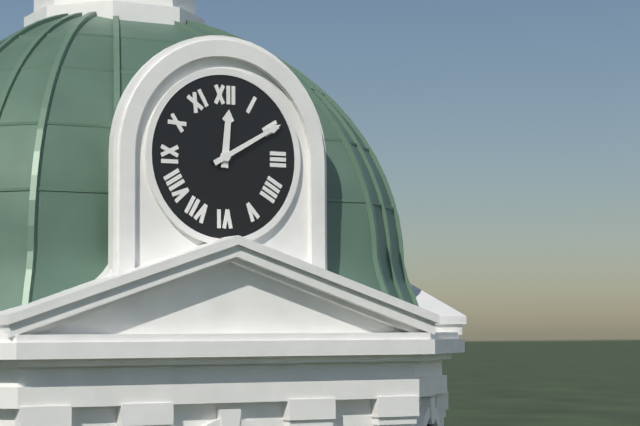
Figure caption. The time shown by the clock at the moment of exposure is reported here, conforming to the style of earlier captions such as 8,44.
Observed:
12,10
